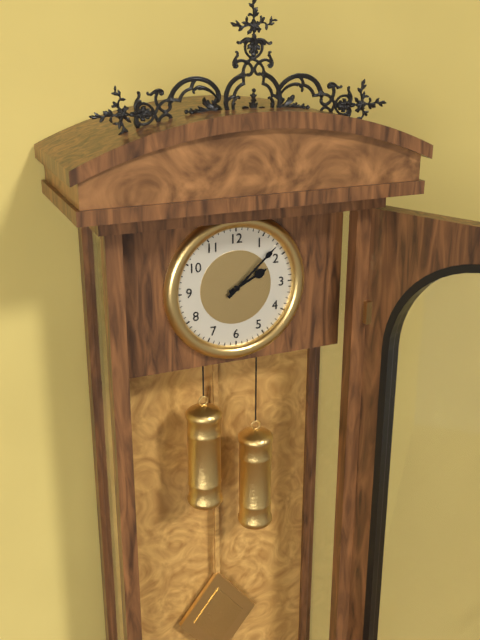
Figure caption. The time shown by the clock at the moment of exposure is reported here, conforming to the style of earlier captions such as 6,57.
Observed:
2,08
